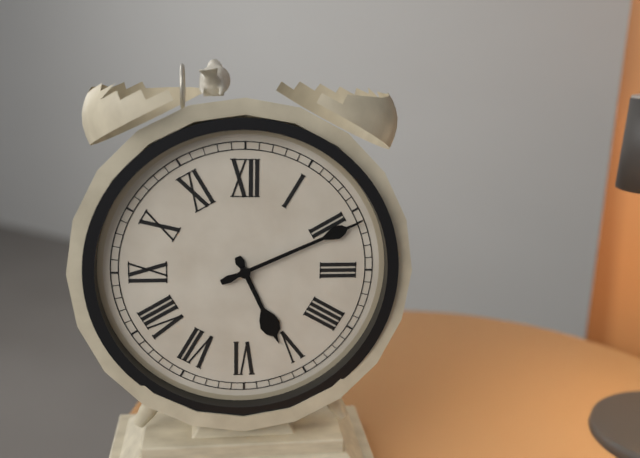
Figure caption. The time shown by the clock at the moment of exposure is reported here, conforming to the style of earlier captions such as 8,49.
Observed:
5,11
